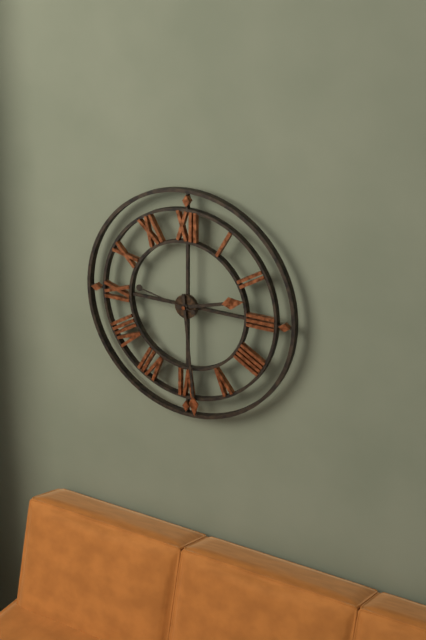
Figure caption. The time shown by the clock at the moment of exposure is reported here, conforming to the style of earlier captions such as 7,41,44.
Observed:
2,29,47
